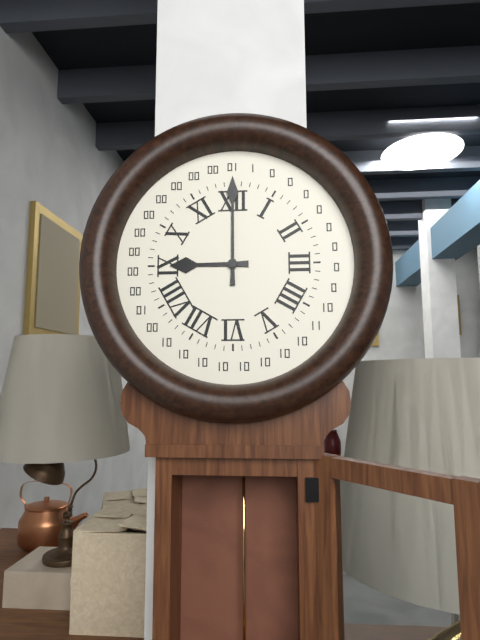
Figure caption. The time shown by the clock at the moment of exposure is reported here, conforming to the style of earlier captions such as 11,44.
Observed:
9,00
